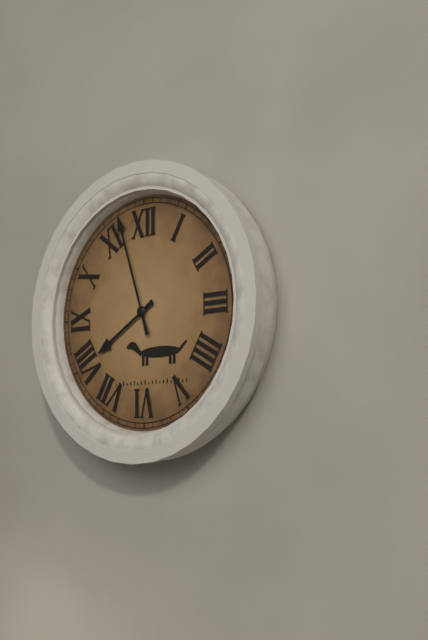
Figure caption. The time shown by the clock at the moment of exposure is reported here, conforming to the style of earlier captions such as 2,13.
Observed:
7,57
